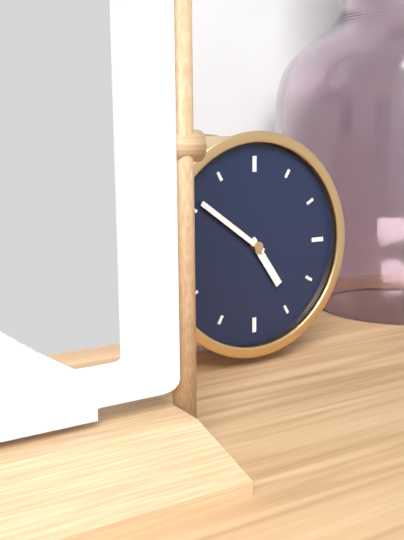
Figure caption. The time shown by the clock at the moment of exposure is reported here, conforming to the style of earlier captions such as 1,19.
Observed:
4,51
